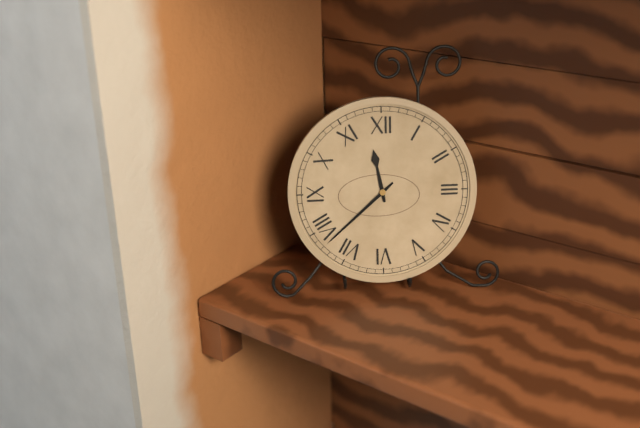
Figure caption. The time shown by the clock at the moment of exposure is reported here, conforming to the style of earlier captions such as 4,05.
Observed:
11,38
